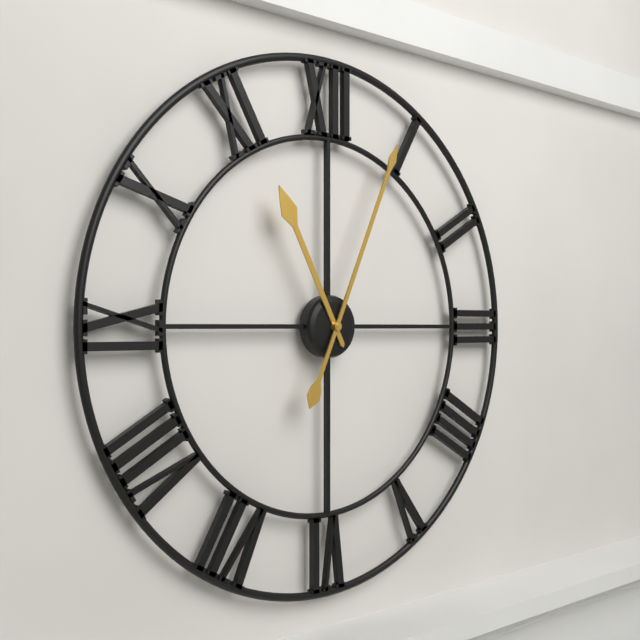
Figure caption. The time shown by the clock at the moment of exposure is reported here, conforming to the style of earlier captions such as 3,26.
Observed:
11,04
